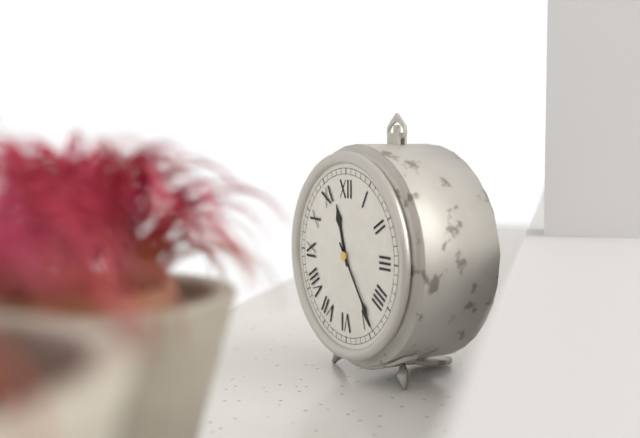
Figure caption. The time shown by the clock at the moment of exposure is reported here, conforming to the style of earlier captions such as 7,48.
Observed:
11,24
